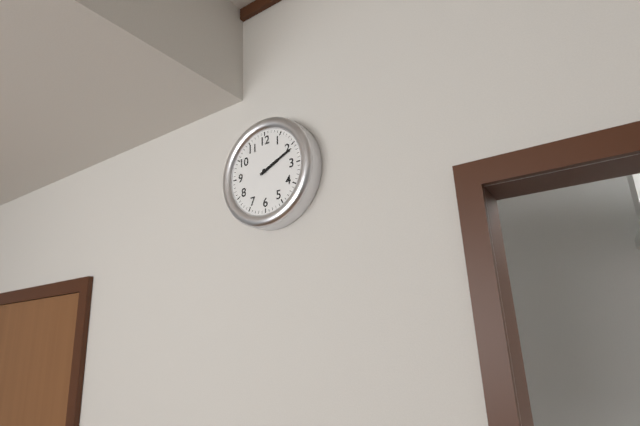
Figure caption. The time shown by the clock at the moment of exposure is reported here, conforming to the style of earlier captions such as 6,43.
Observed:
2,11
